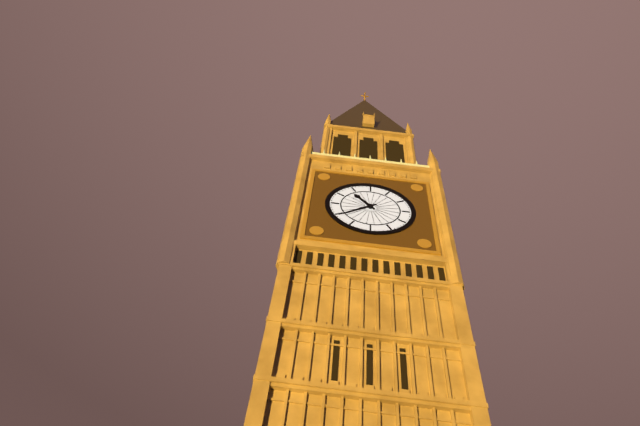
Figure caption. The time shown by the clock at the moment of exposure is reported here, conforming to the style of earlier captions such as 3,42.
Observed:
10,39
